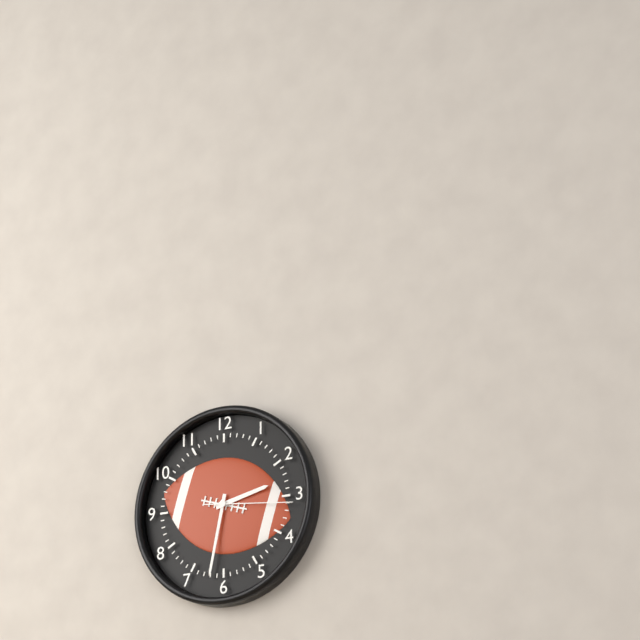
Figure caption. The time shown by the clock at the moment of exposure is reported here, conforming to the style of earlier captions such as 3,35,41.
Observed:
2,32,16
